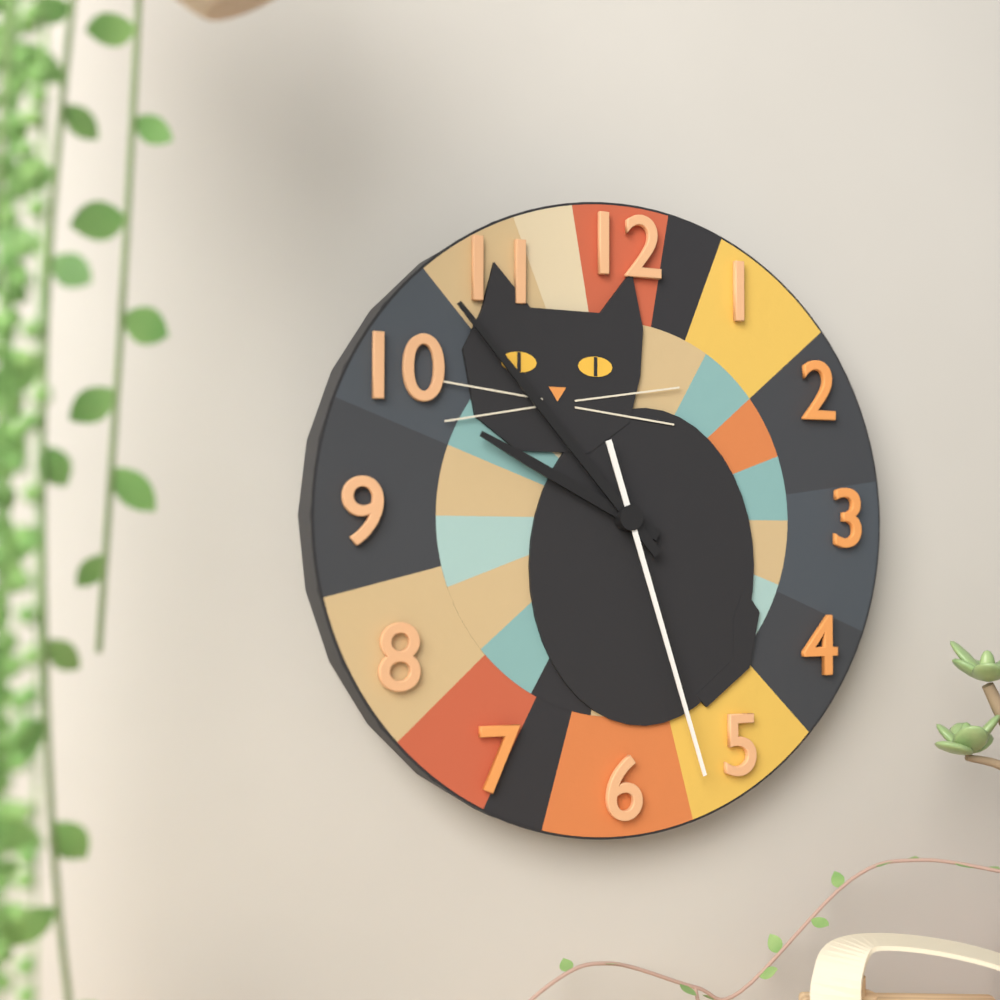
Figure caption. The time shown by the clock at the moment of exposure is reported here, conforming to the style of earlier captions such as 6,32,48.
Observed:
9,53,27
